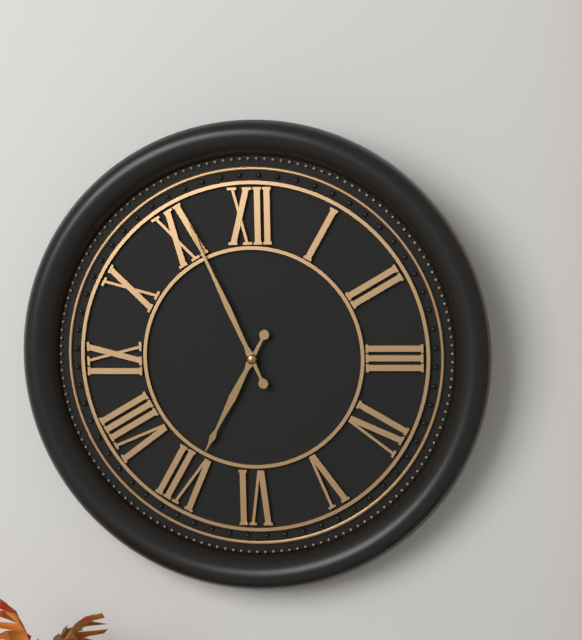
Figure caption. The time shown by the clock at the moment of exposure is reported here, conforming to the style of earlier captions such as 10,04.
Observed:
6,56
